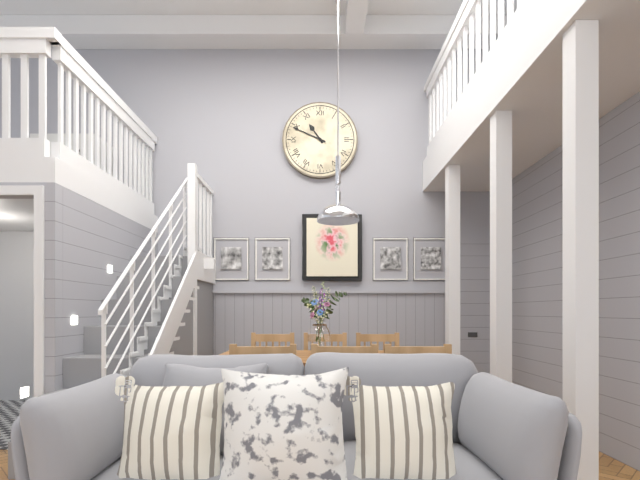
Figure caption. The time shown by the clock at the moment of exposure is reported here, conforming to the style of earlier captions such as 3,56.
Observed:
10,49
